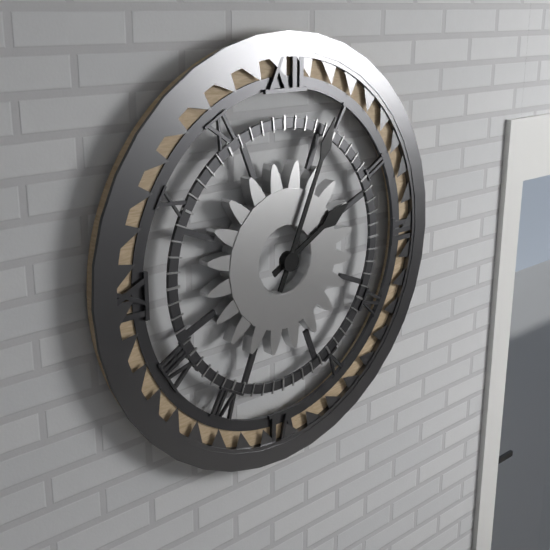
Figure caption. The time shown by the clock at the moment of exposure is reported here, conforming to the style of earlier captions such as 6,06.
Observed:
2,04
